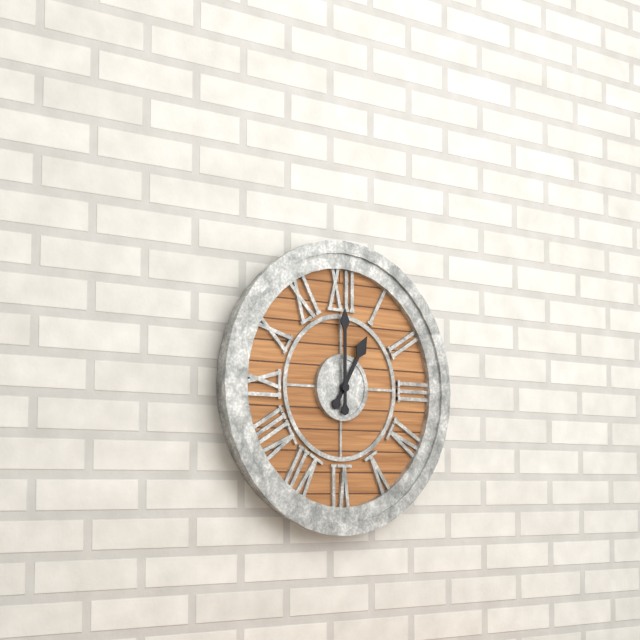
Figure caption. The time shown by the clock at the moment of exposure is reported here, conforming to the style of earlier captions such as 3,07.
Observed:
1,00
